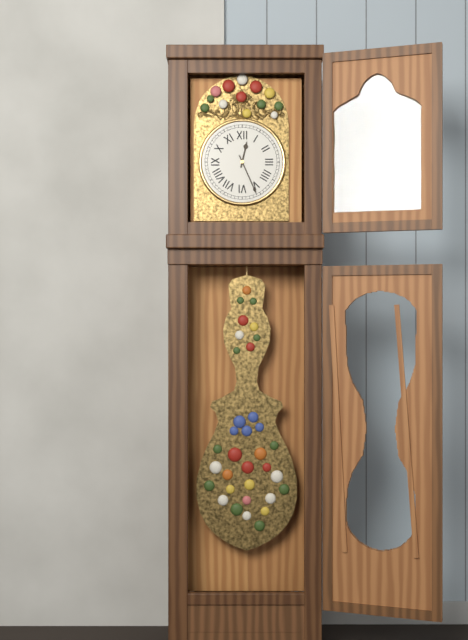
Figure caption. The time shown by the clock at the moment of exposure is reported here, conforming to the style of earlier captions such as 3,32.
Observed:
12,26
